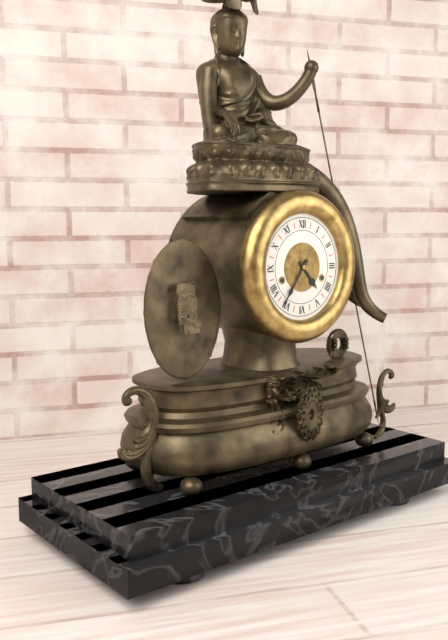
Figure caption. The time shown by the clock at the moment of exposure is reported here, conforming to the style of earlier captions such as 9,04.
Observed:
4,36
